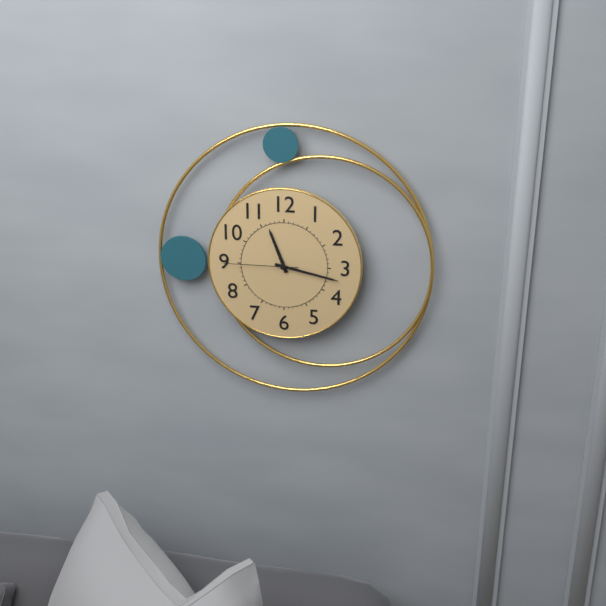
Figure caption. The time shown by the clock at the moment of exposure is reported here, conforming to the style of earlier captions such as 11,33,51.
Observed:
11,17,45
